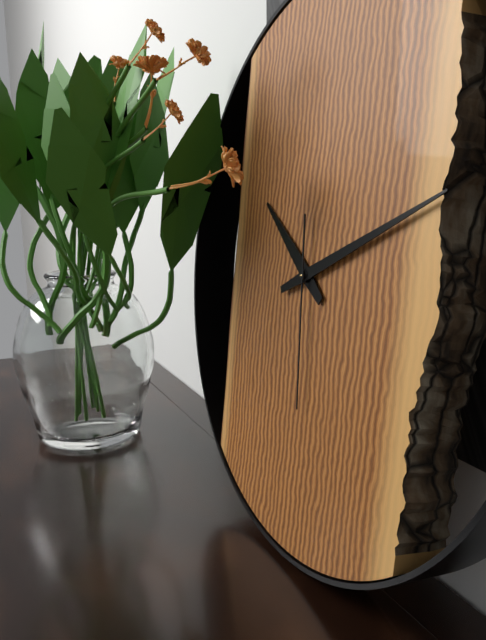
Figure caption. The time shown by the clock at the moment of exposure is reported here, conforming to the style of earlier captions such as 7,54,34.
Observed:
10,11,29
